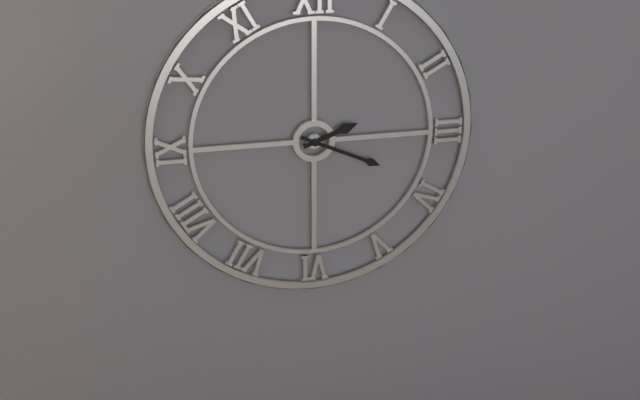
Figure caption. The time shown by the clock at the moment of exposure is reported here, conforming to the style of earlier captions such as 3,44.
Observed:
2,19
